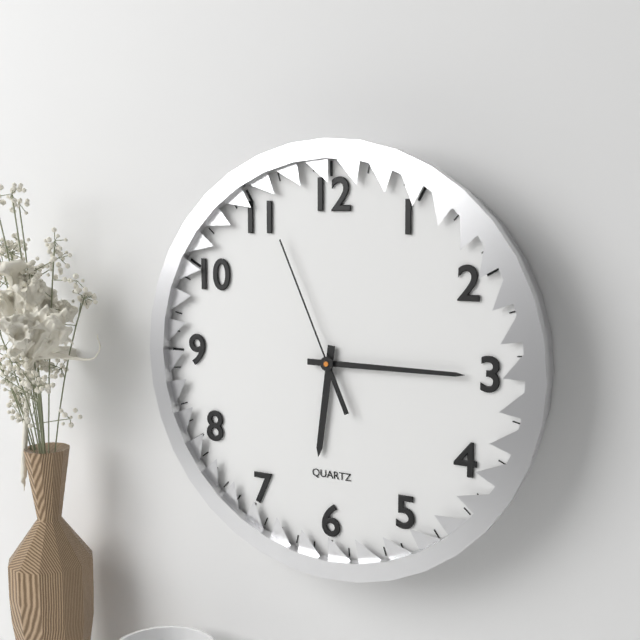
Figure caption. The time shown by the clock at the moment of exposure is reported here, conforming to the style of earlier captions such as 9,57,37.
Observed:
6,15,56
